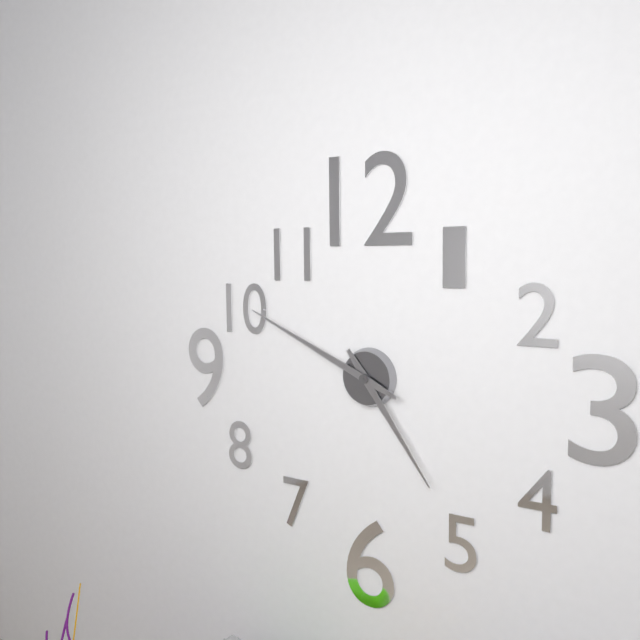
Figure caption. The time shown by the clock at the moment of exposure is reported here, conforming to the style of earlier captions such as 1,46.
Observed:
4,49
